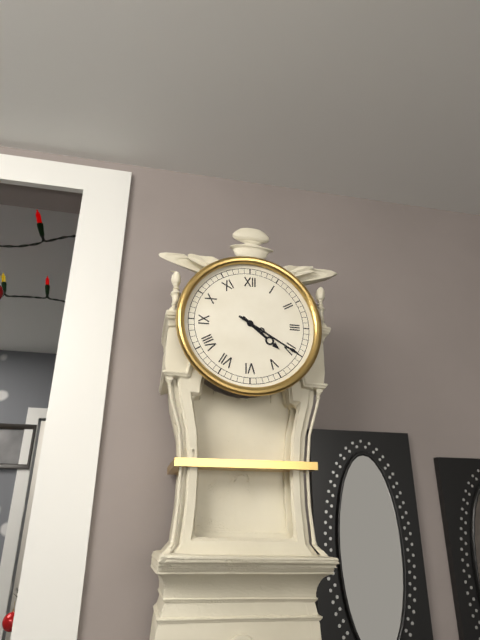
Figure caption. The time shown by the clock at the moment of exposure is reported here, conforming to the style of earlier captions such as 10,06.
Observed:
4,20
